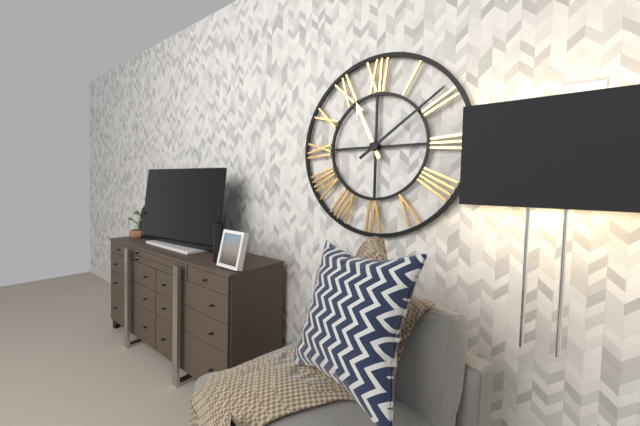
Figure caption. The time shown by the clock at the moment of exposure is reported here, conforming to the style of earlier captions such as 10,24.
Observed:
11,09
